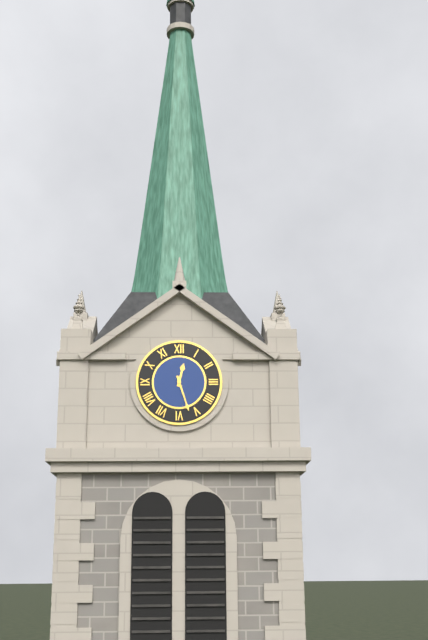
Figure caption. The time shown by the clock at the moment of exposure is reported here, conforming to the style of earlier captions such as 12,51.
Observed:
12,27
